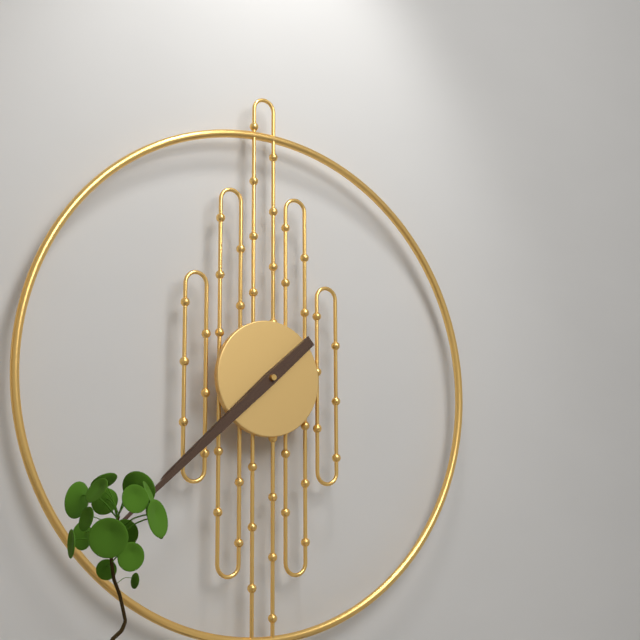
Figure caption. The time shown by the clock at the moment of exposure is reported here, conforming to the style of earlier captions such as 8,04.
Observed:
7,38
